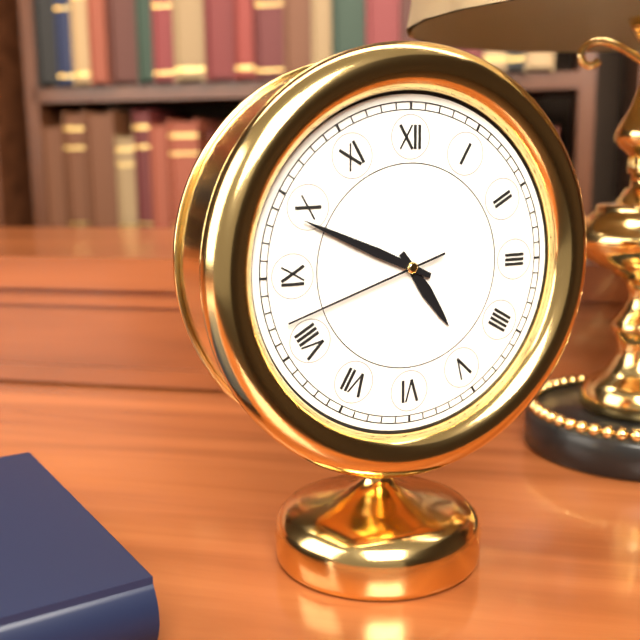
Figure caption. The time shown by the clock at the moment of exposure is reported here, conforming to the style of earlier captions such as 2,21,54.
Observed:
4,49,42
